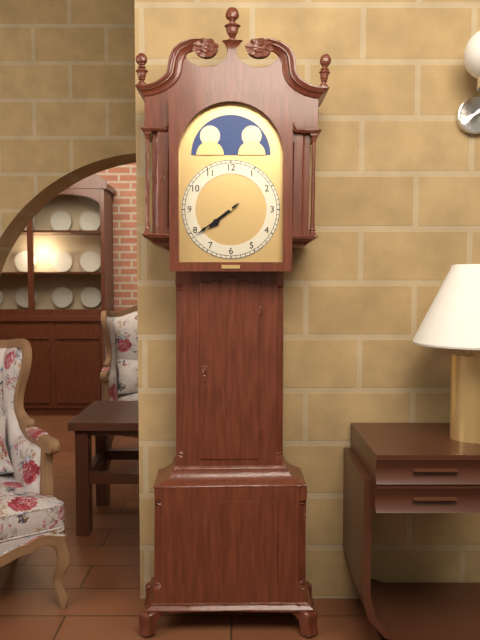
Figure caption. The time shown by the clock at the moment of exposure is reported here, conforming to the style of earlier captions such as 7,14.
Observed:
7,39
